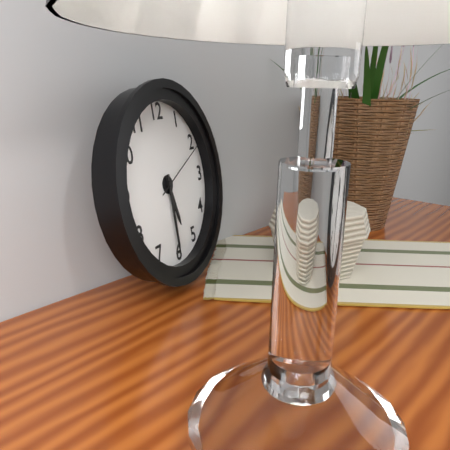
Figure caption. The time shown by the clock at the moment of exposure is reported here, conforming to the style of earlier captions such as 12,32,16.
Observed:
5,30,11
